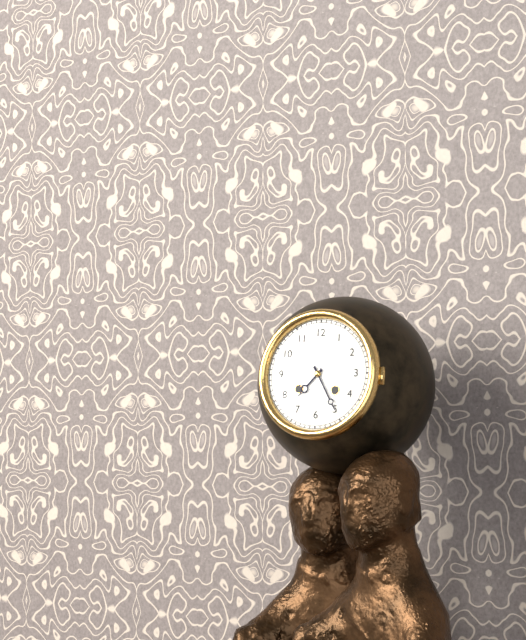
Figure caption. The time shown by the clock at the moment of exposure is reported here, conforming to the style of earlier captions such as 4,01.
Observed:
7,25
